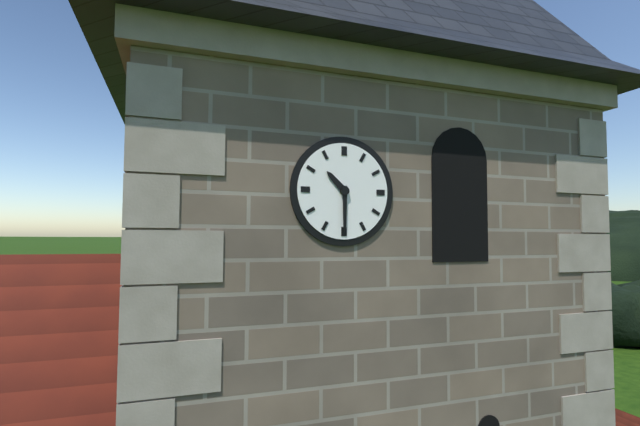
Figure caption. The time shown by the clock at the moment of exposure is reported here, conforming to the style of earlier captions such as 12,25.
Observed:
10,30
